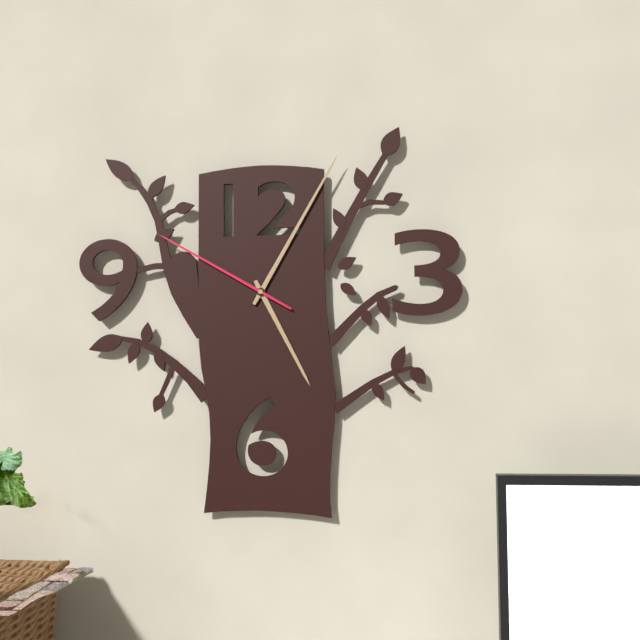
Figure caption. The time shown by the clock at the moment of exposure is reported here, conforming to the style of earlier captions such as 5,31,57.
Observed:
5,05,50
